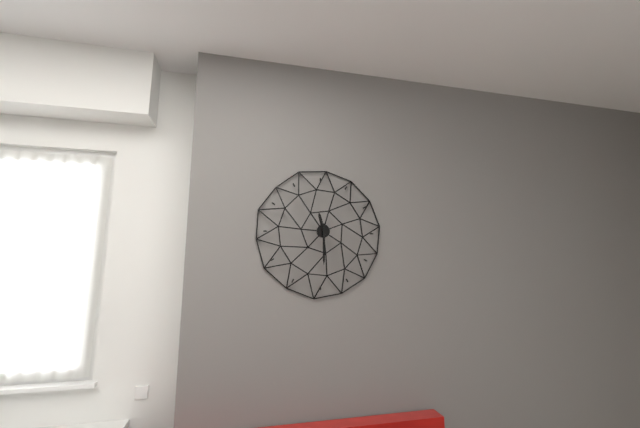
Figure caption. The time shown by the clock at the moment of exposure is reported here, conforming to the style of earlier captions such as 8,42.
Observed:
11,30
